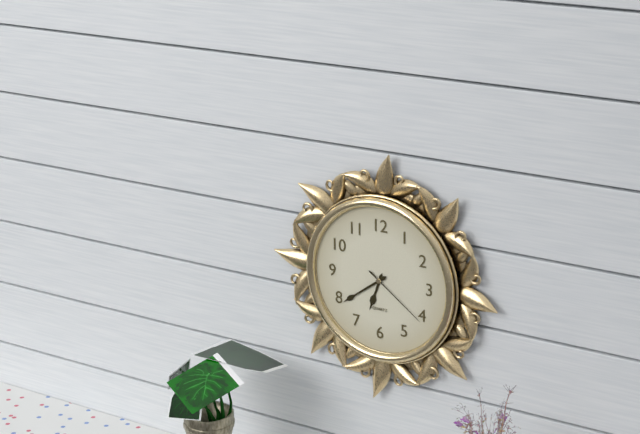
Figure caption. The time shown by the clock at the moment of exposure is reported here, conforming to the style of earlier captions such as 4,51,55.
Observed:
6,39,21
